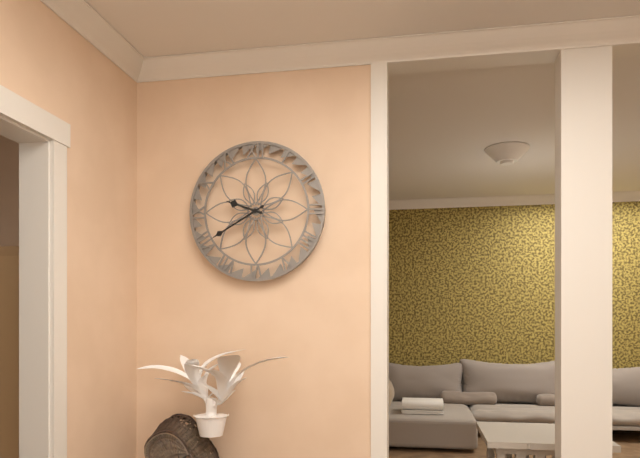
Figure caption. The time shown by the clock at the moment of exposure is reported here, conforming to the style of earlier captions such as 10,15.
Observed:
9,40
